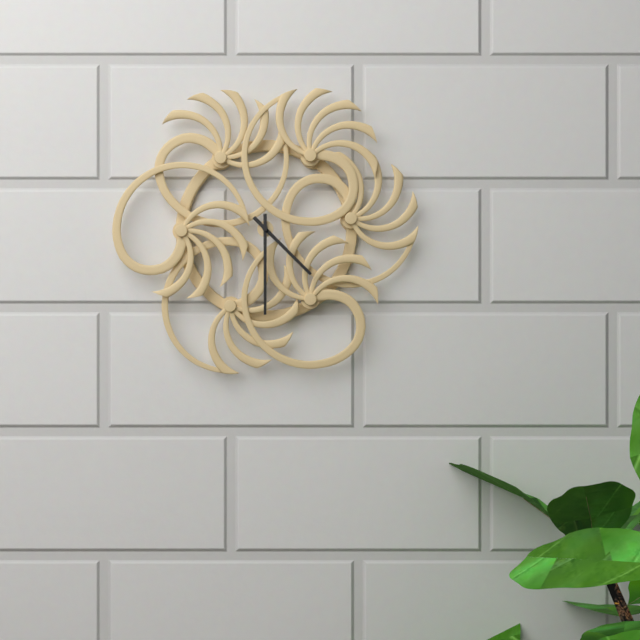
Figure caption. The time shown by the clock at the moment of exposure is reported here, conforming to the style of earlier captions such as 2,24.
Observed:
4,30
